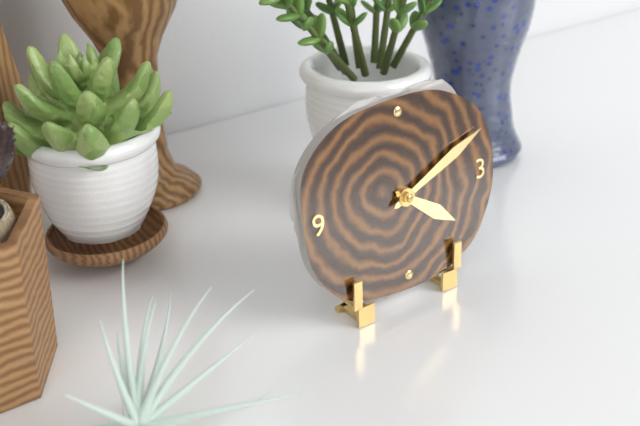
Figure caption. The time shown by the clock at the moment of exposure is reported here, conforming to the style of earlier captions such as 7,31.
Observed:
4,11
